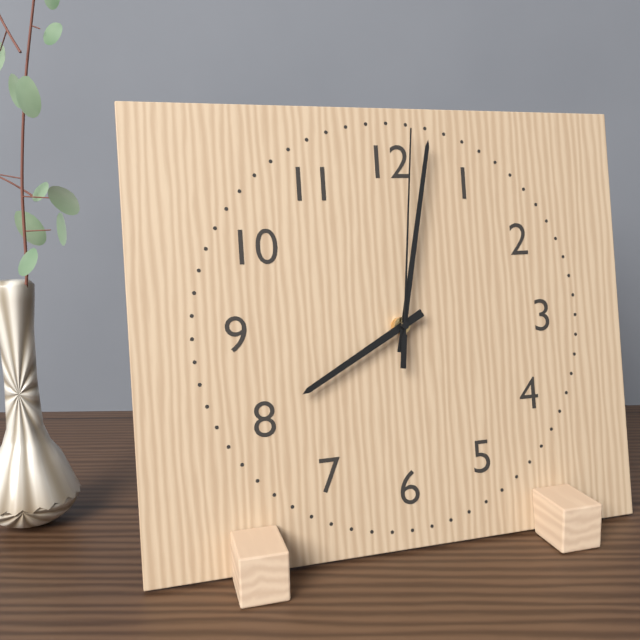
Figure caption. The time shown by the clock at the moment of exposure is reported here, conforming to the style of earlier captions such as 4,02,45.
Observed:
8,02,01
